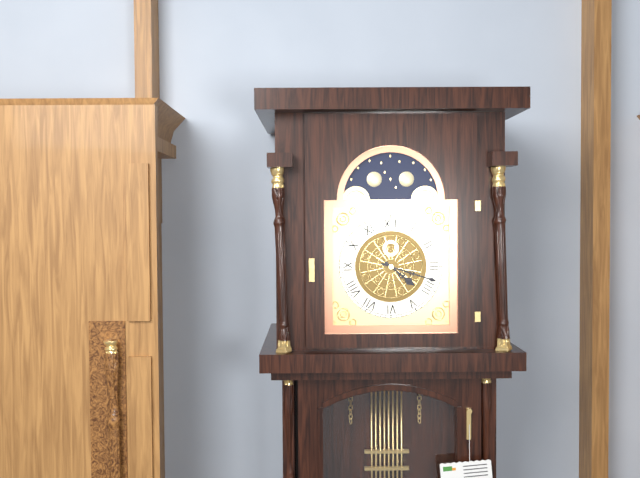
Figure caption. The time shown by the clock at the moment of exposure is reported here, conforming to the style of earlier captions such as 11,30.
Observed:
4,18
